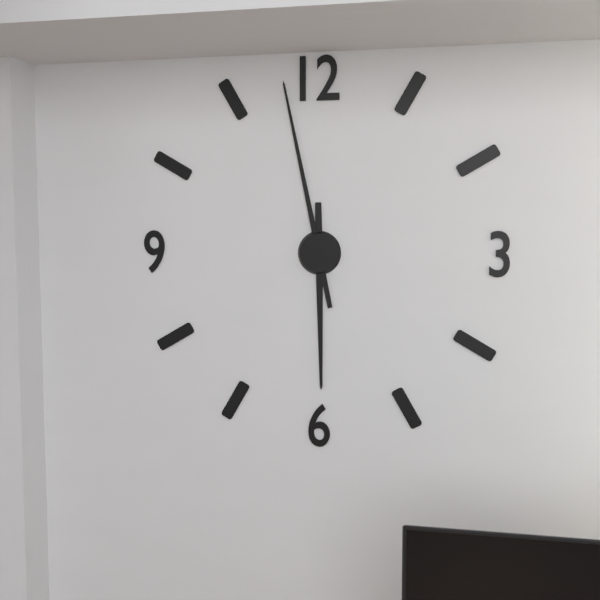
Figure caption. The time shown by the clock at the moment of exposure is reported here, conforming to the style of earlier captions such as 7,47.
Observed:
5,58
